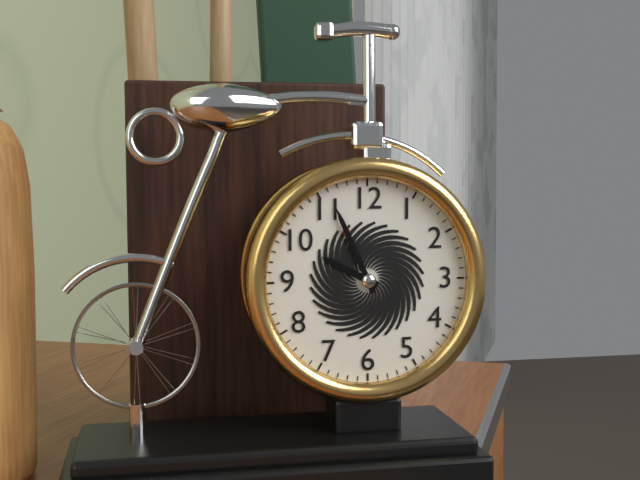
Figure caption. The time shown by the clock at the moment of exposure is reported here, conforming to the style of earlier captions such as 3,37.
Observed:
9,56
